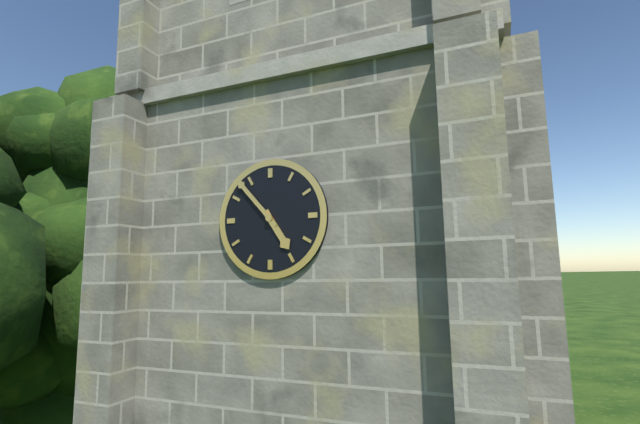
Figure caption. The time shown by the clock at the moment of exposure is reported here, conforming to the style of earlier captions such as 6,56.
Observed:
4,53
